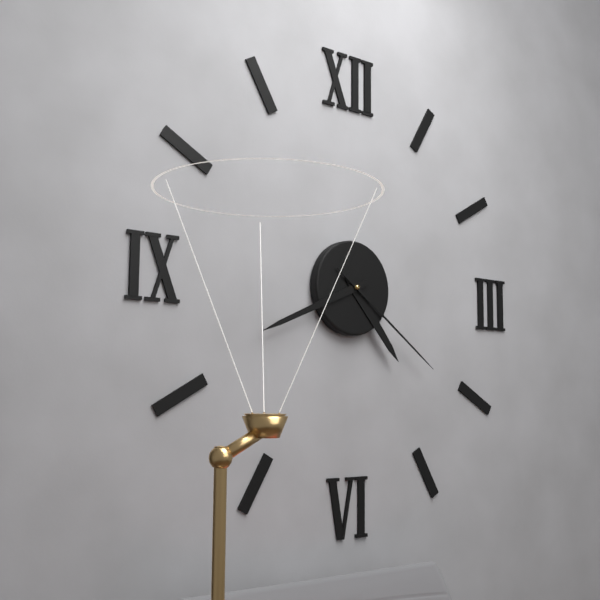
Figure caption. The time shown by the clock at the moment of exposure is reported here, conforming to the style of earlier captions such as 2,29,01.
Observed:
4,41,21
